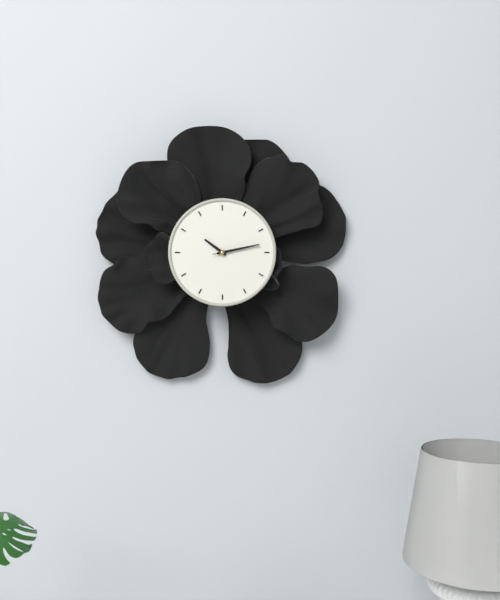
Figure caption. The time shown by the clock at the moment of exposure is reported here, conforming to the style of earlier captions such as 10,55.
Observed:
10,13
